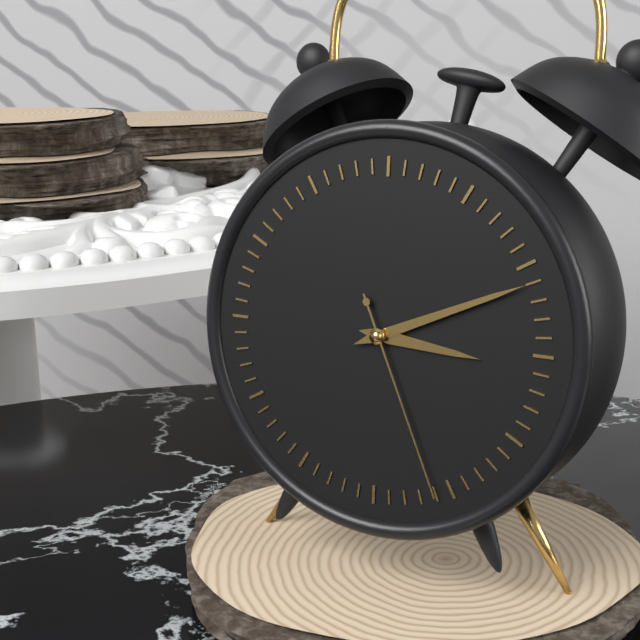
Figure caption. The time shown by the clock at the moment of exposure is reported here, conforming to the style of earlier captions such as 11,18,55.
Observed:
3,11,26
